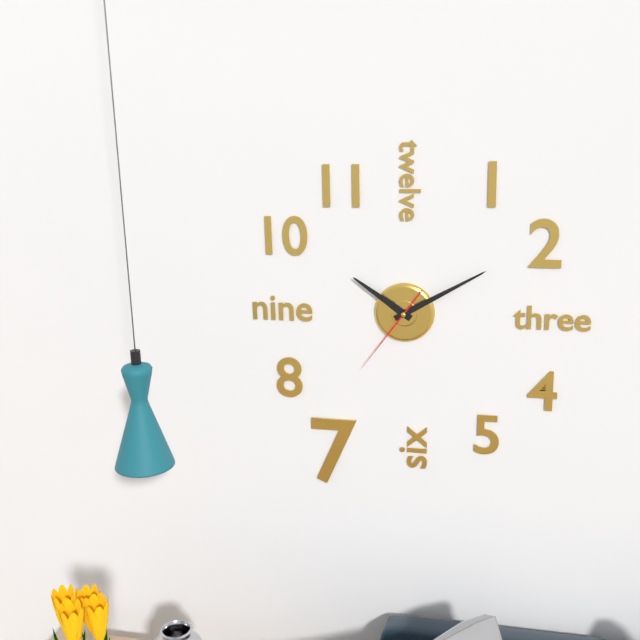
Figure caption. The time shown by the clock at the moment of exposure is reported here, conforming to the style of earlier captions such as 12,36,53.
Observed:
10,10,36
